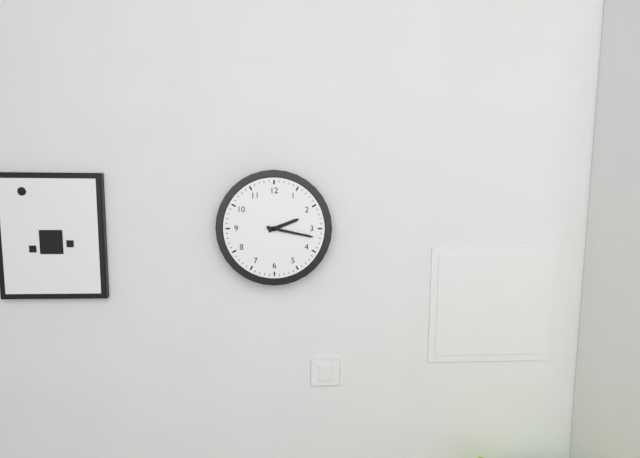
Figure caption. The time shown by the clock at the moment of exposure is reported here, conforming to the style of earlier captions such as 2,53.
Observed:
2,17
